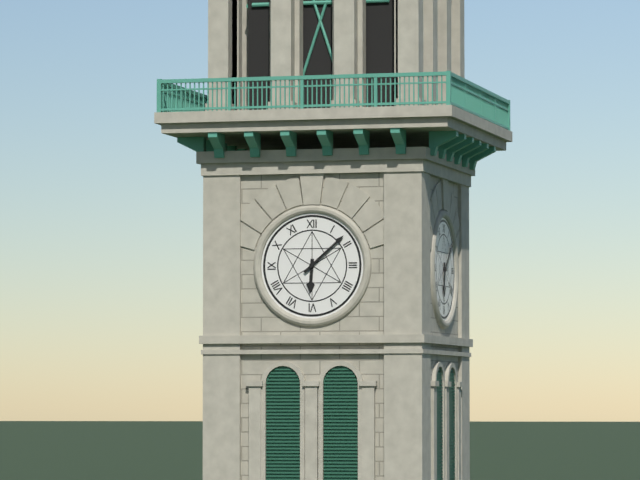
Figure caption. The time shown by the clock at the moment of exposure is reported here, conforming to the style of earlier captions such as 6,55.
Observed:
6,08
